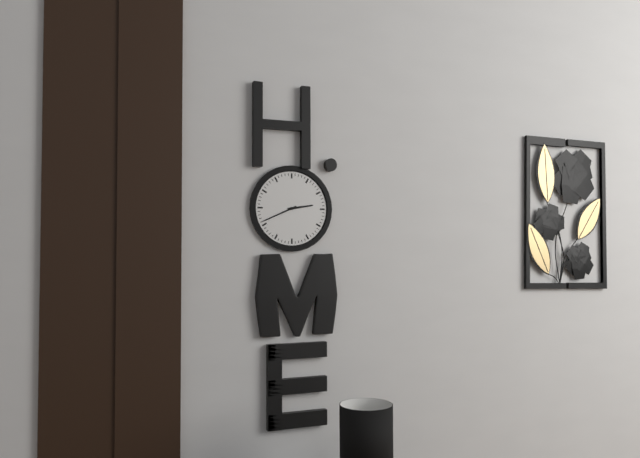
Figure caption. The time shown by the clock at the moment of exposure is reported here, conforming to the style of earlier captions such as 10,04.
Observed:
2,41
